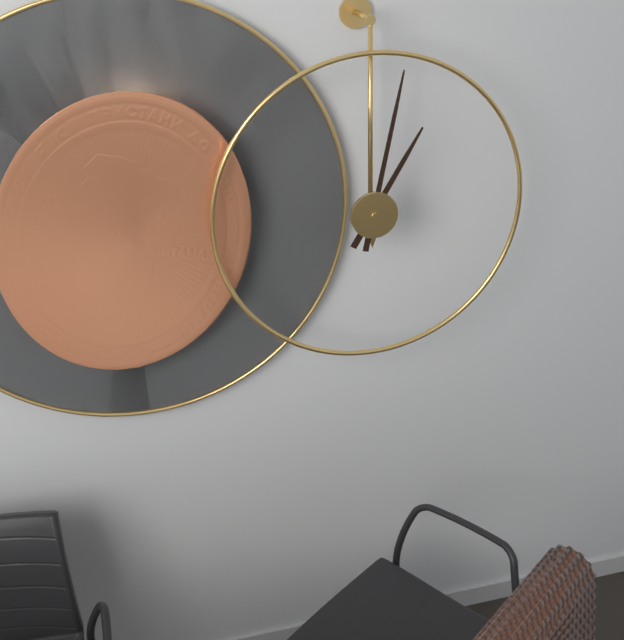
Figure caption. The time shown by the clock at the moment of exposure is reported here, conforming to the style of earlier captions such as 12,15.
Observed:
1,02
